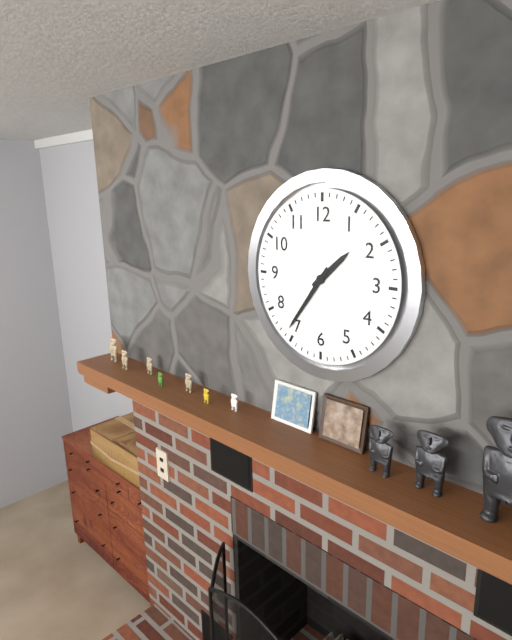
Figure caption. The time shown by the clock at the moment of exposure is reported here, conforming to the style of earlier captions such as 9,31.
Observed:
1,36
